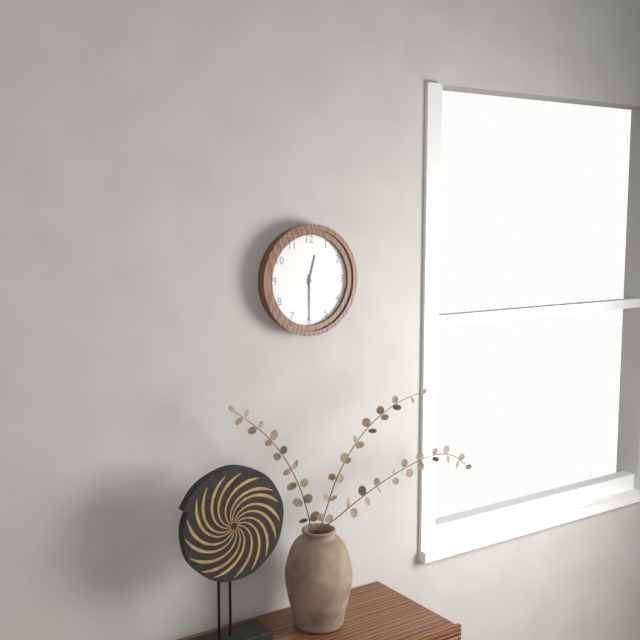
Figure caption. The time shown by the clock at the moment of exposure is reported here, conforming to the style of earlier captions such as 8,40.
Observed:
12,30
